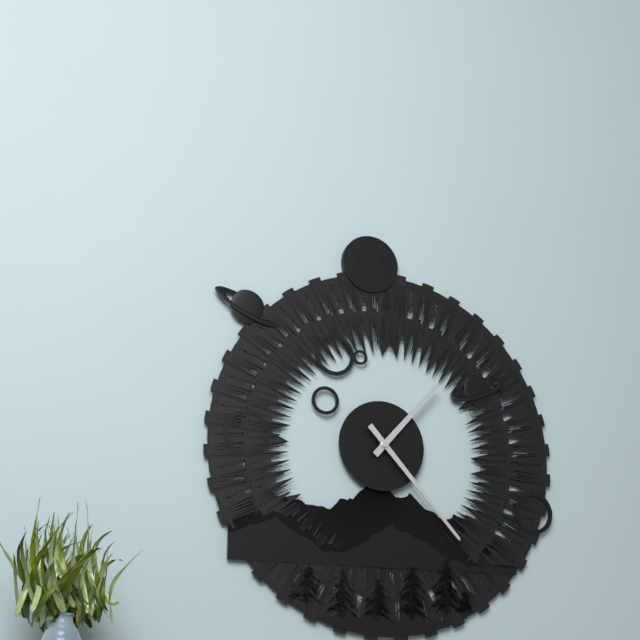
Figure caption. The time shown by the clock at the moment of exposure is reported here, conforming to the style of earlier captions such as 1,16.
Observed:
1,23
